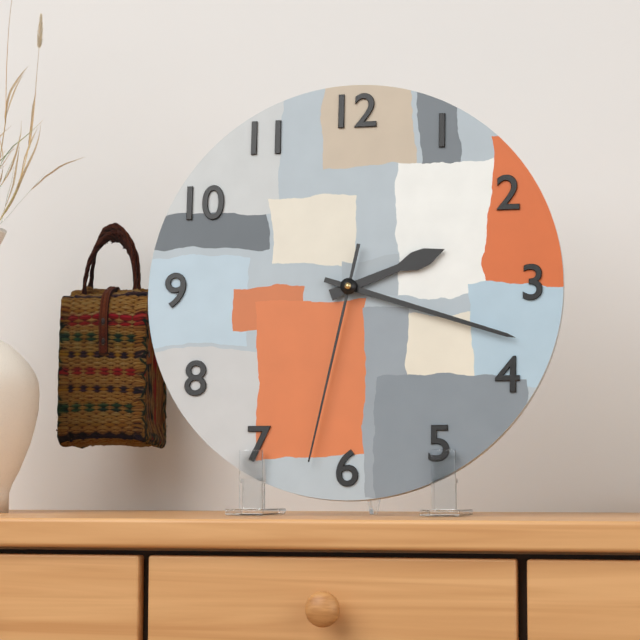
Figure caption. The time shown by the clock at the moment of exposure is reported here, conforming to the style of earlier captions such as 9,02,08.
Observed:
2,18,32
